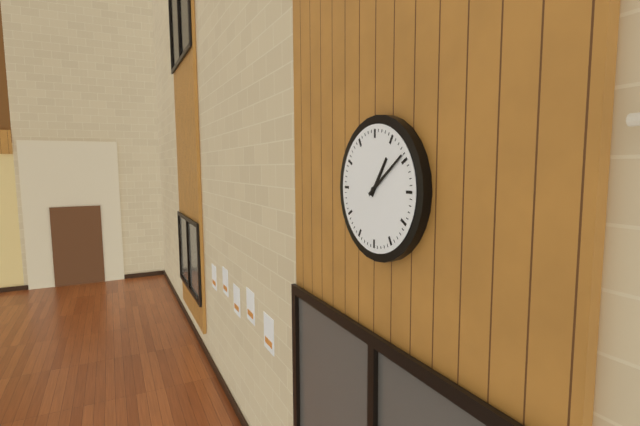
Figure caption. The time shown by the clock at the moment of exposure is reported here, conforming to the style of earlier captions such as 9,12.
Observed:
1,09
